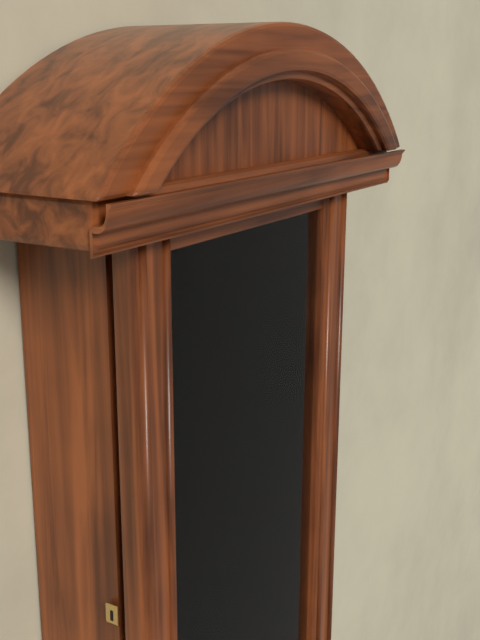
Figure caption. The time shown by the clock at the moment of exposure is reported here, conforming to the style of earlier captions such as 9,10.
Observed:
7,03
